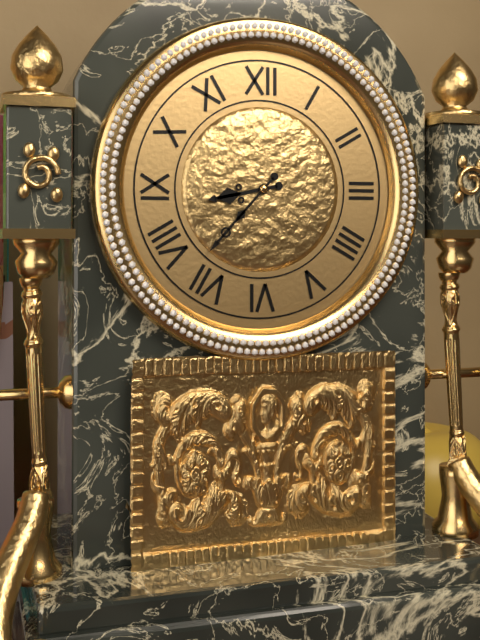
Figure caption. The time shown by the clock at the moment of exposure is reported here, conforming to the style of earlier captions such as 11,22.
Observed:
8,37
